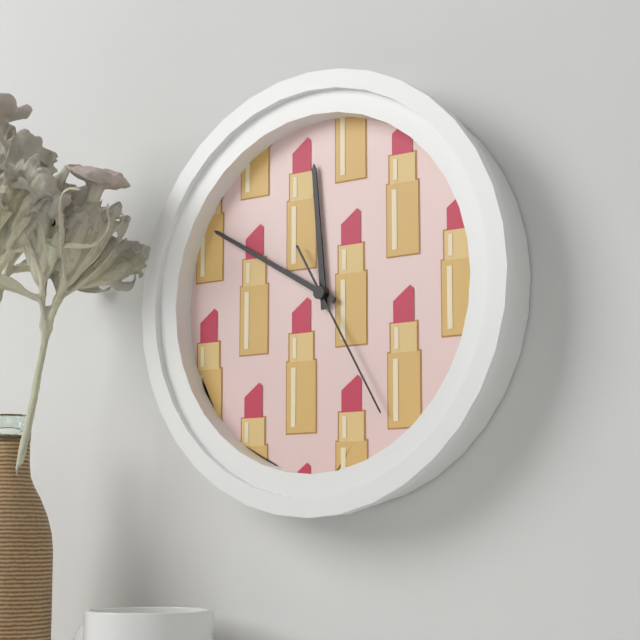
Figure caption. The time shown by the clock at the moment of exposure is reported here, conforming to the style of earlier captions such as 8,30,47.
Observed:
11,50,25
